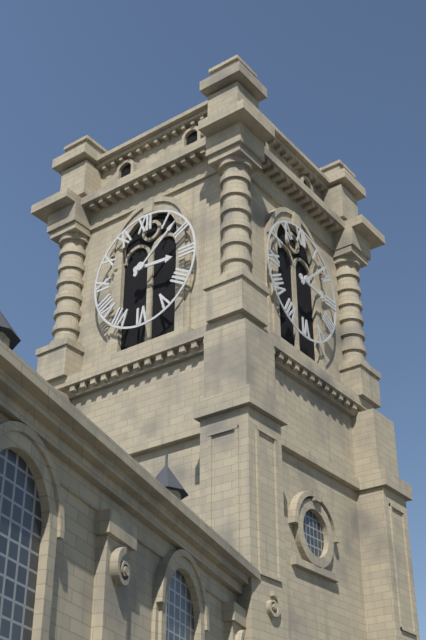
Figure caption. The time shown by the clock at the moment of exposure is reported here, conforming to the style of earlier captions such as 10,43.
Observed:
3,08
